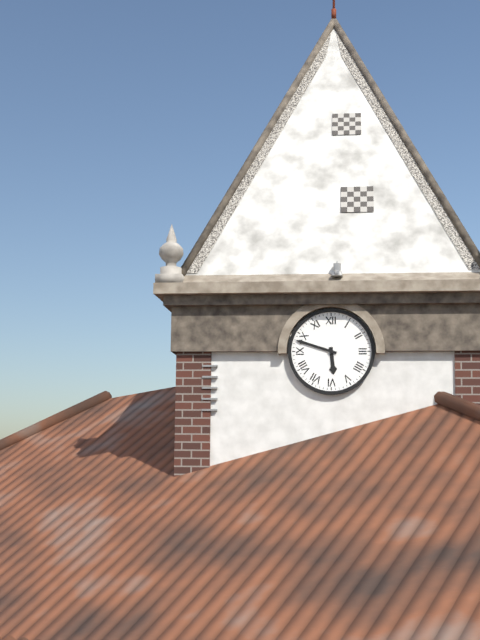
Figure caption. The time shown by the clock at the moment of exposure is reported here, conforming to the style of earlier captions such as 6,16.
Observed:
5,48
